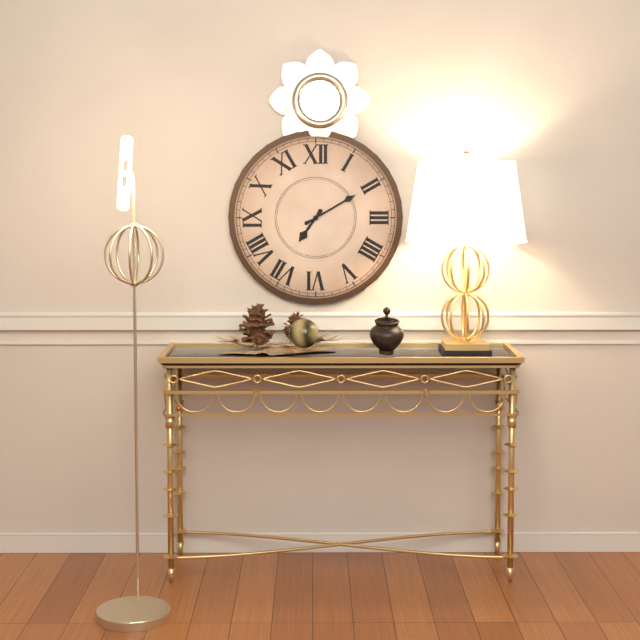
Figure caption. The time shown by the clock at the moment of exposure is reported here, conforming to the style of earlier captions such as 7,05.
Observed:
7,10
